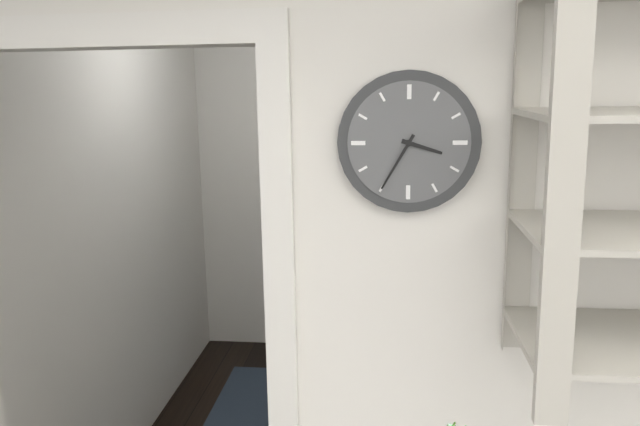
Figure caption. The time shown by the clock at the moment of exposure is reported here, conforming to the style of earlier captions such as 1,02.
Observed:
3,35
